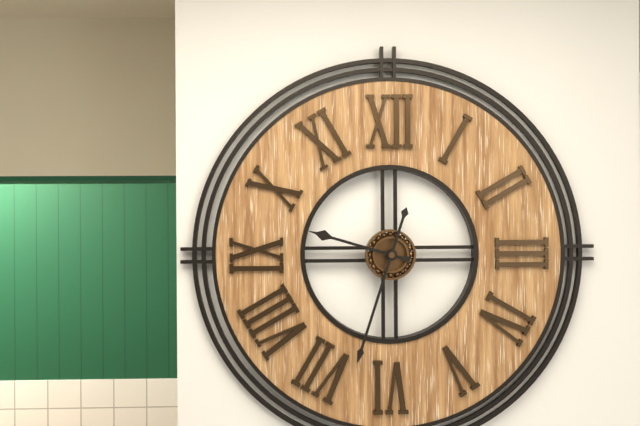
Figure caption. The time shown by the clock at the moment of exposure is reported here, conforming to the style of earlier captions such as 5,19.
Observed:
9,33
